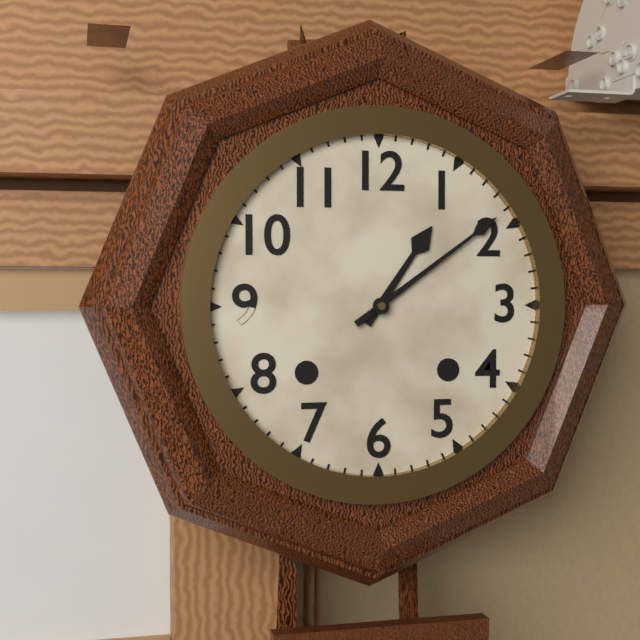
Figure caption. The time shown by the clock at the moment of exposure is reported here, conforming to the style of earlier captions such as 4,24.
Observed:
1,09
